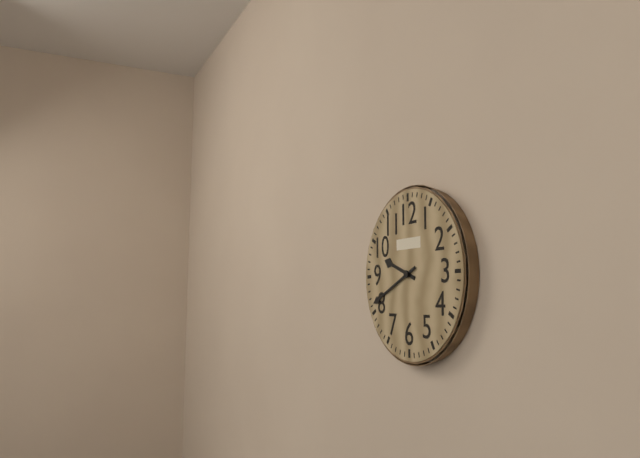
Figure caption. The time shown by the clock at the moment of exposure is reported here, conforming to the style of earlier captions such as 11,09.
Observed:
9,41
